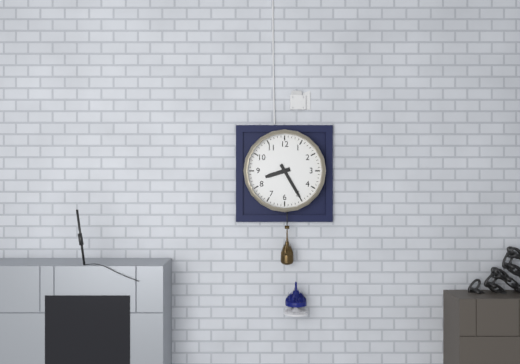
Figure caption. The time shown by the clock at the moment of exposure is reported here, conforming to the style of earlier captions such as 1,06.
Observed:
8,25
